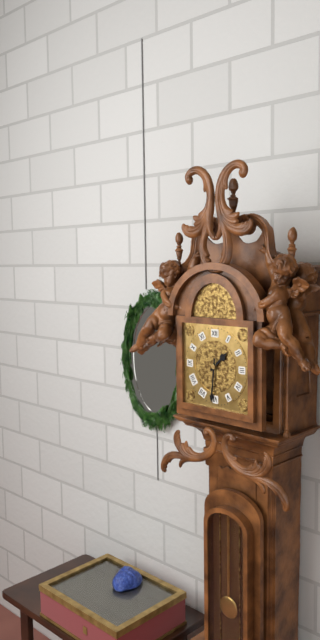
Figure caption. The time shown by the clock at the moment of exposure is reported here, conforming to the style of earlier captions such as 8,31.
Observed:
1,31
